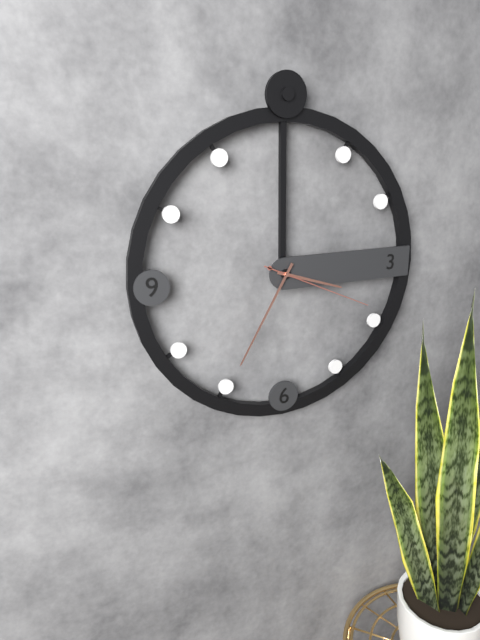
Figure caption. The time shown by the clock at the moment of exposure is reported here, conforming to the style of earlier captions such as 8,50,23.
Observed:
3,35,19
